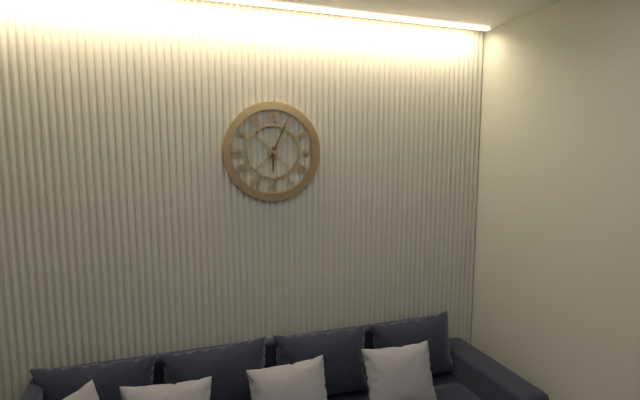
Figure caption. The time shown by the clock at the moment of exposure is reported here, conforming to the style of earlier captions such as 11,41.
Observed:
6,04
